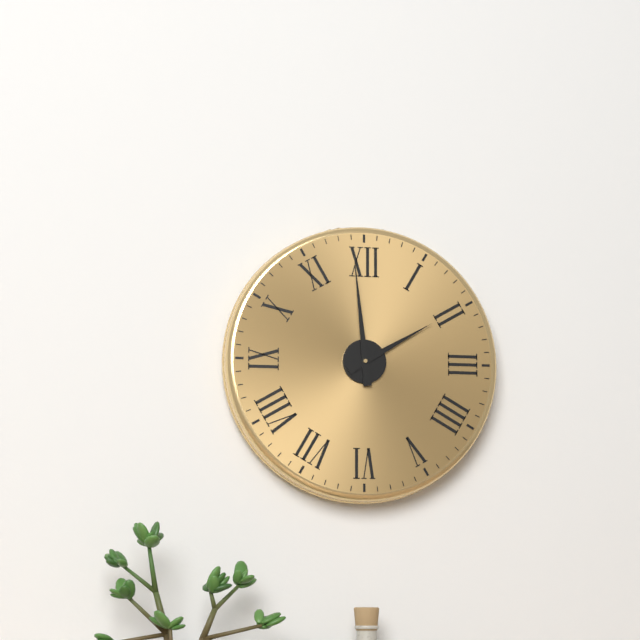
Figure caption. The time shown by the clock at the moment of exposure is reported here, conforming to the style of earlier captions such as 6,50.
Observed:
1,59
